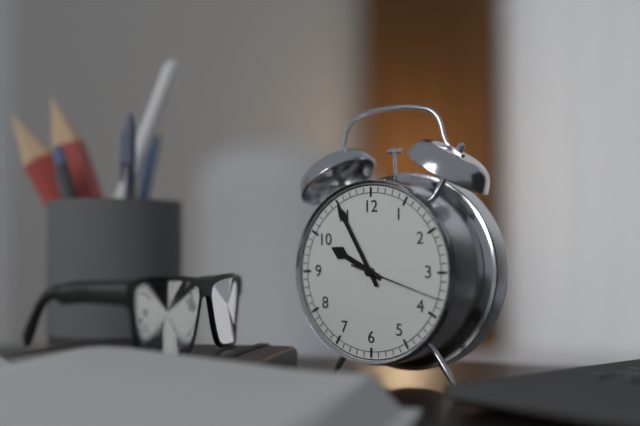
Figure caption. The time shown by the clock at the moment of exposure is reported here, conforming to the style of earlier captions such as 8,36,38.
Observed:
9,55,18
